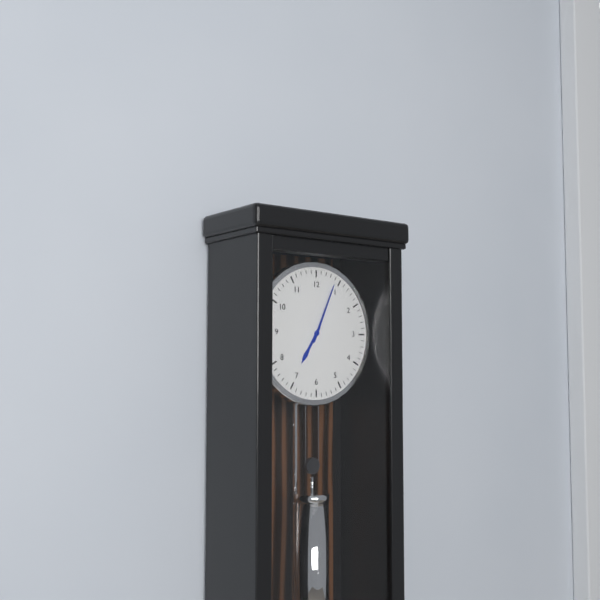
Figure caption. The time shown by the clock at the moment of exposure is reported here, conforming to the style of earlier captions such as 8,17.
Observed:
7,04
